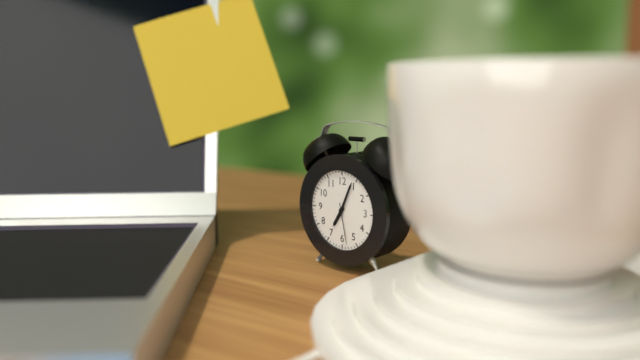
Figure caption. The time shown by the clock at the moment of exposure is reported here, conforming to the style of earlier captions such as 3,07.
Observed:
7,04
